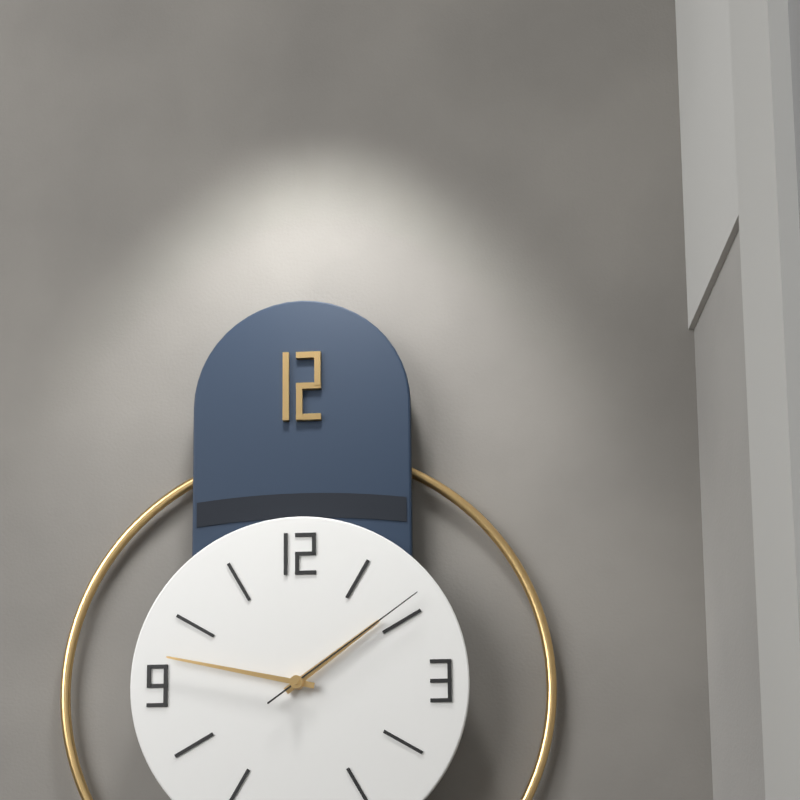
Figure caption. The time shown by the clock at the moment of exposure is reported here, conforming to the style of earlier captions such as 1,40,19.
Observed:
1,47,09
